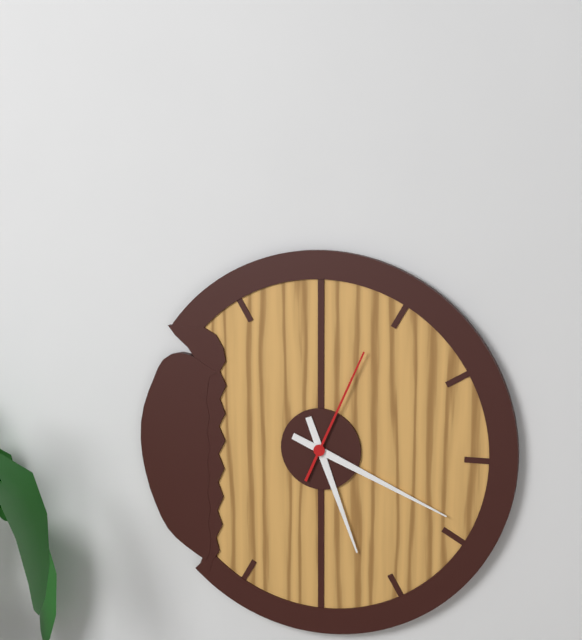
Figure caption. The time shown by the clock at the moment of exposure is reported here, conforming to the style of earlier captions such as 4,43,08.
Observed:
5,19,04
